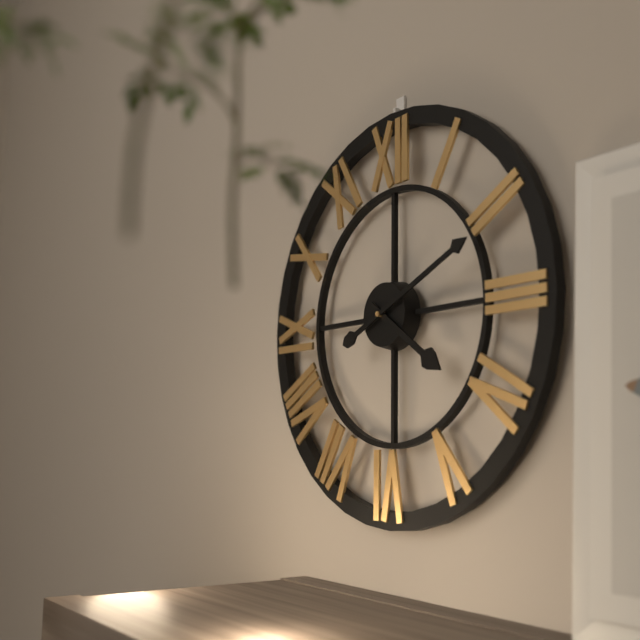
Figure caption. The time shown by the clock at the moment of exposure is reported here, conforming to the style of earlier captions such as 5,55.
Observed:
4,11
